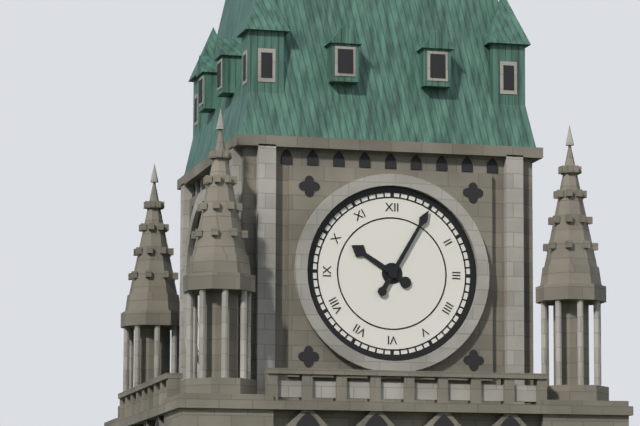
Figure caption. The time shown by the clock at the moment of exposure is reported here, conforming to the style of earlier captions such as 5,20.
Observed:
10,05
